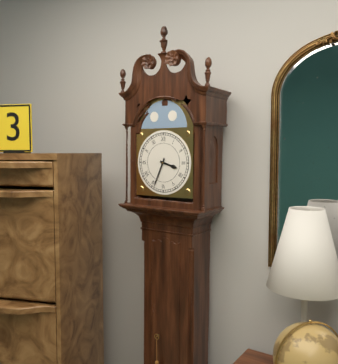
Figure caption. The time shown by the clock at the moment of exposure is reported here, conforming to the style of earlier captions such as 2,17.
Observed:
3,34
